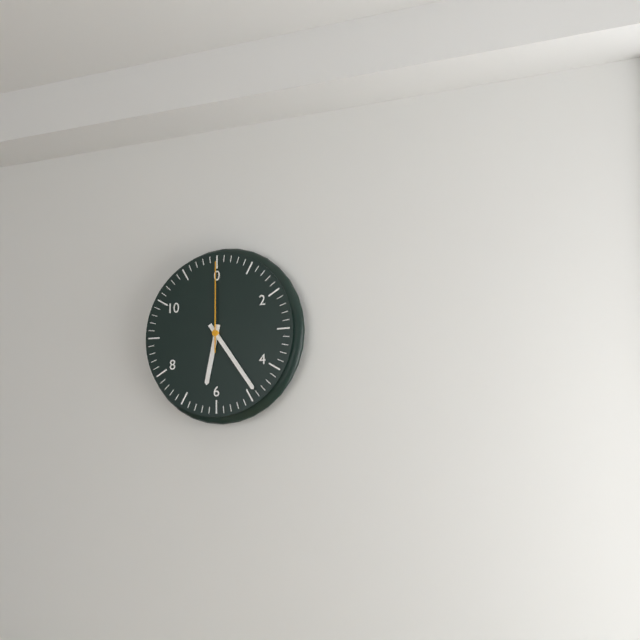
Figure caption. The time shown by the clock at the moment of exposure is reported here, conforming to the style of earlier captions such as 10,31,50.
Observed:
6,24,00
